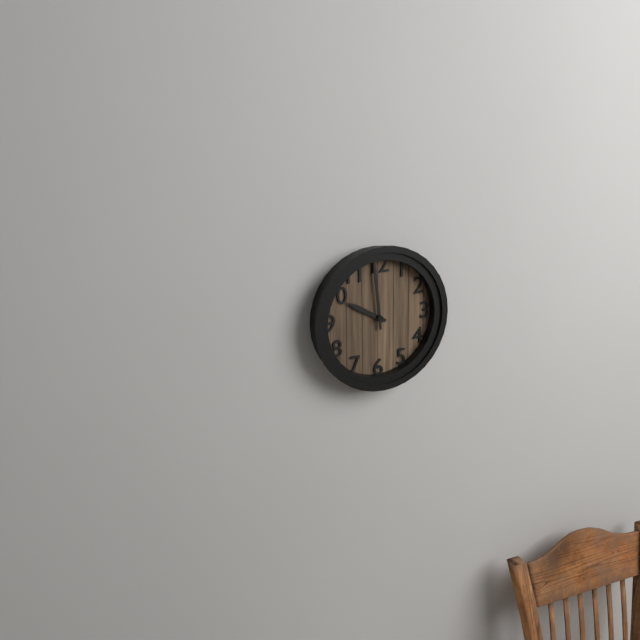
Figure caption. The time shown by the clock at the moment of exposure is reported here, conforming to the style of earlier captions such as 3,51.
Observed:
9,59
